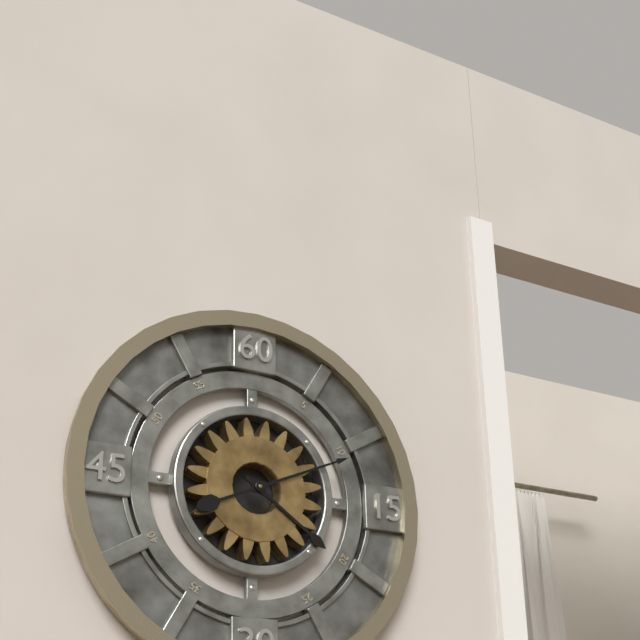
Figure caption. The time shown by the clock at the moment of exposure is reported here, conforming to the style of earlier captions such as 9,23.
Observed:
4,11
